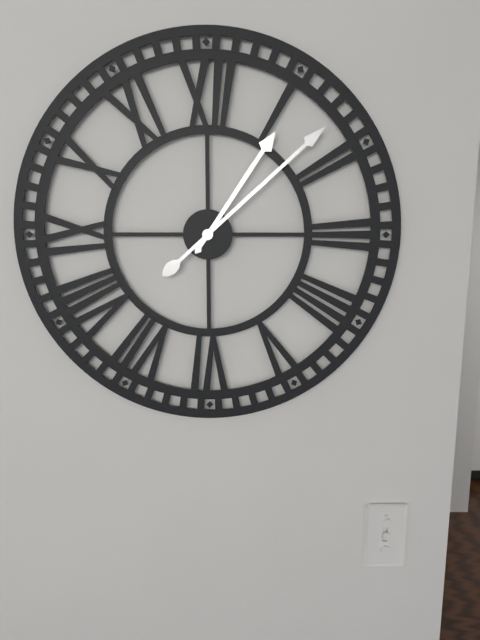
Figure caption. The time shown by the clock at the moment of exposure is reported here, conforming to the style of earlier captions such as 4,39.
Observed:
1,08
